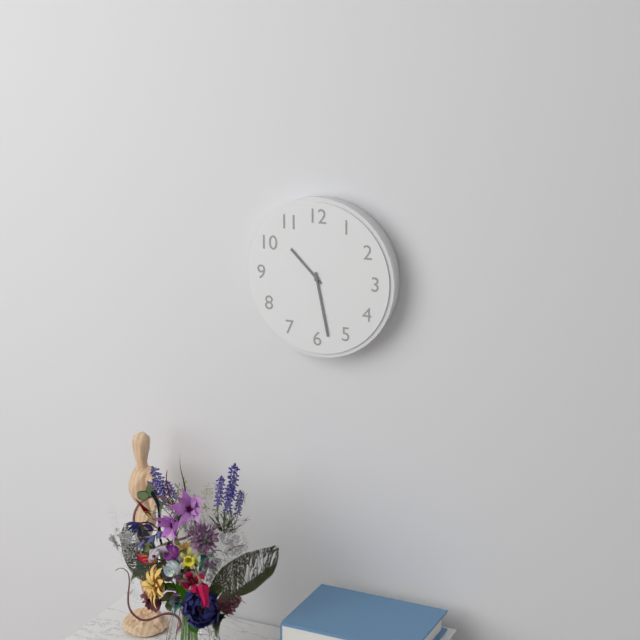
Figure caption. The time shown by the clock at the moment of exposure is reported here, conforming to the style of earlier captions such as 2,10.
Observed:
10,28
